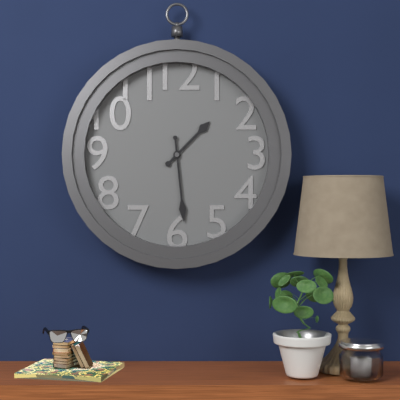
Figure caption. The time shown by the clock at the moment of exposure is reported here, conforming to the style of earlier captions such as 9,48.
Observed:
1,29
